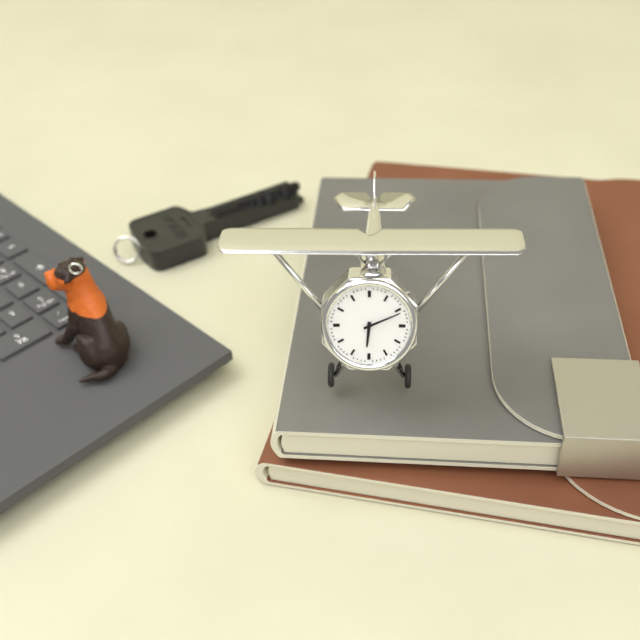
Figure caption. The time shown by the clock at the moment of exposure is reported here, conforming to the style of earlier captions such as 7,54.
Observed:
6,11
